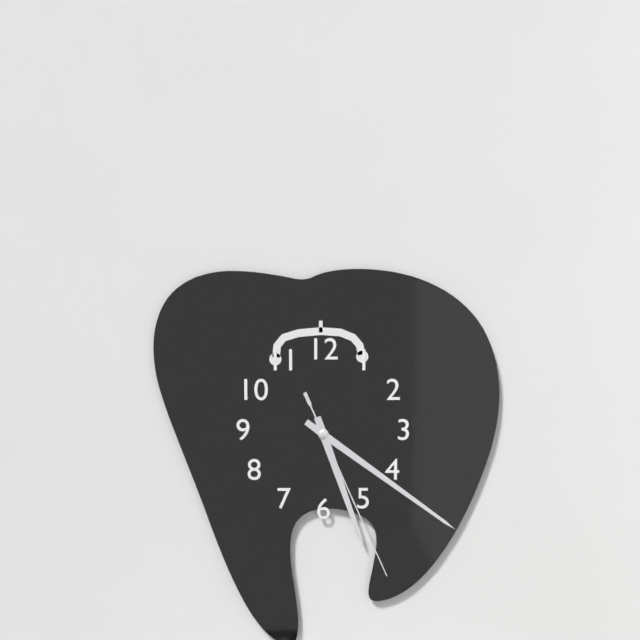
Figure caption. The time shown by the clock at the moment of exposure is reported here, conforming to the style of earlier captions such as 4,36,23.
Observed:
5,21,26
